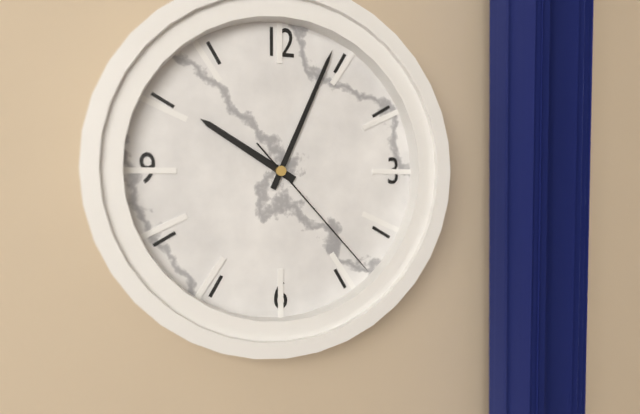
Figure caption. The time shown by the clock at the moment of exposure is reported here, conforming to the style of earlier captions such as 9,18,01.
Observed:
10,04,23
